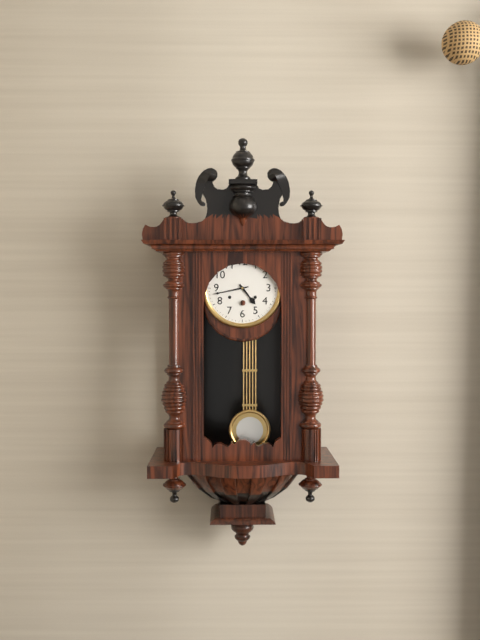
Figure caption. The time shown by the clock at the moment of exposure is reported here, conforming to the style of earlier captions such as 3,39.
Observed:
4,43
